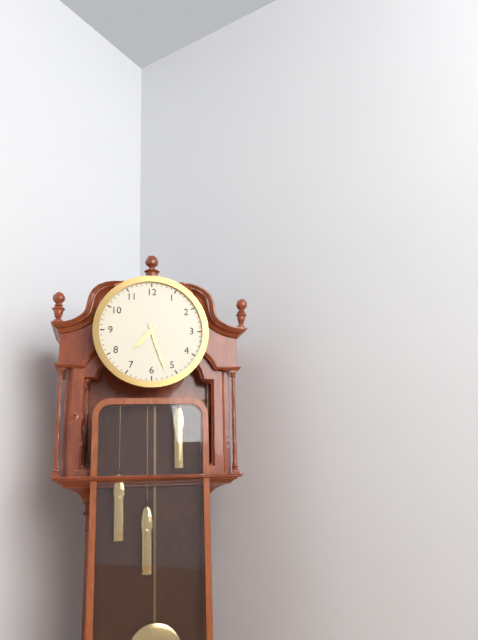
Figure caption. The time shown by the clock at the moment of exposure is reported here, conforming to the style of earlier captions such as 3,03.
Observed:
7,27
